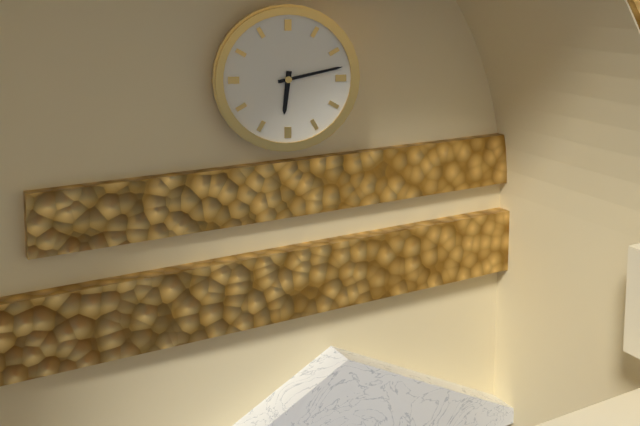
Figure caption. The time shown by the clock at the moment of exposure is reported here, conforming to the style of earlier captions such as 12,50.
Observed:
6,13
